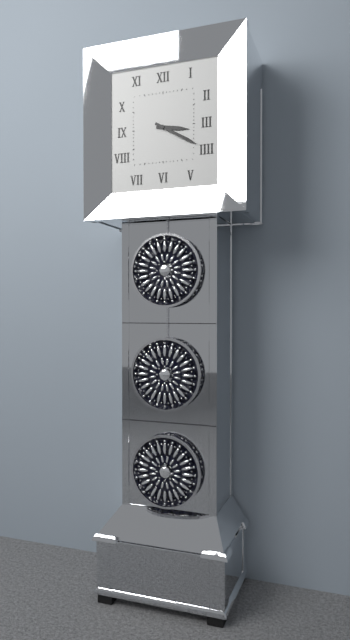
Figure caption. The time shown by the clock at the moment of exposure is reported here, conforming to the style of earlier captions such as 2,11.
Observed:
3,20
